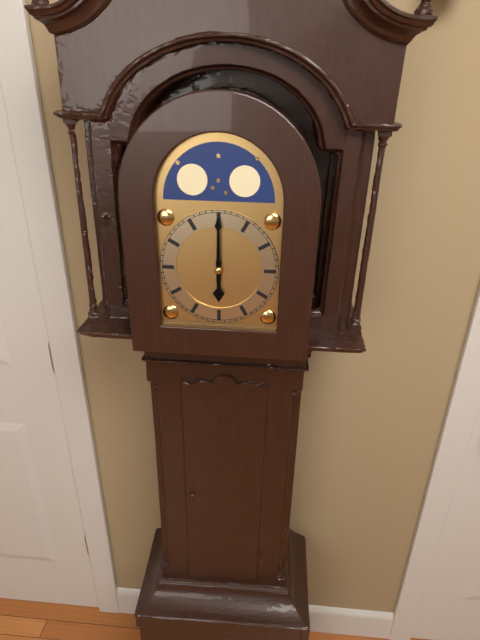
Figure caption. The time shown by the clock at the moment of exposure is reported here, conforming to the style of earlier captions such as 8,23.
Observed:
6,00
